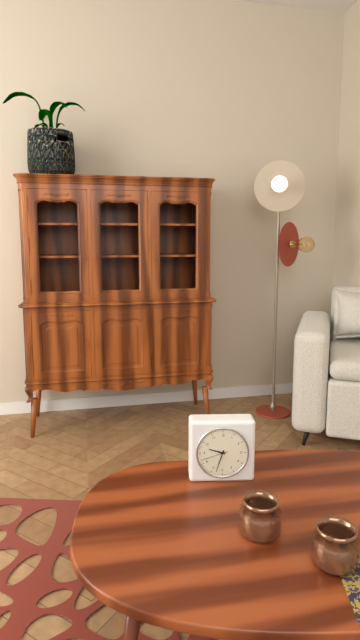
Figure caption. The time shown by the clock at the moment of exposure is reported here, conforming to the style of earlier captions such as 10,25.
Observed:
9,33
